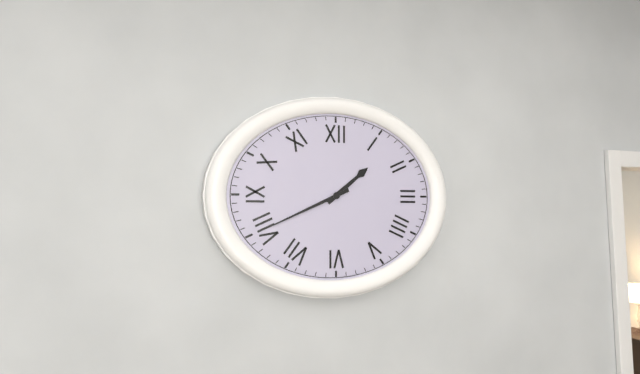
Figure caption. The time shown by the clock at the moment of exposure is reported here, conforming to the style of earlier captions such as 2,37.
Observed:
1,41
